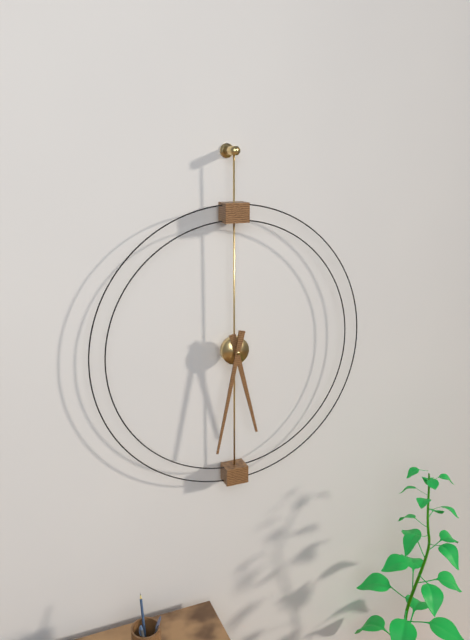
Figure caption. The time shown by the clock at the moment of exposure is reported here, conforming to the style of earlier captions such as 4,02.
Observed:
5,32
